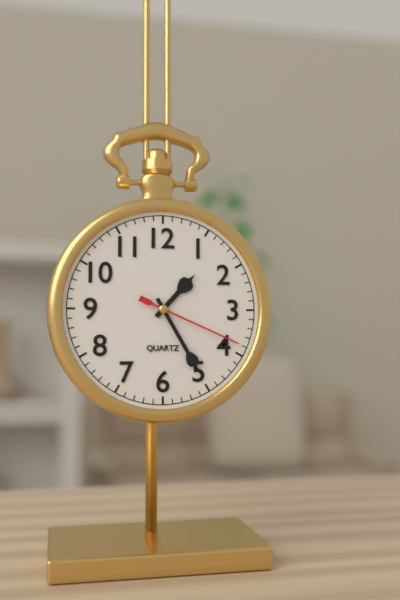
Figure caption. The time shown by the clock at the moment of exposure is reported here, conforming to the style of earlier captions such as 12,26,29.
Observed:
1,25,19
